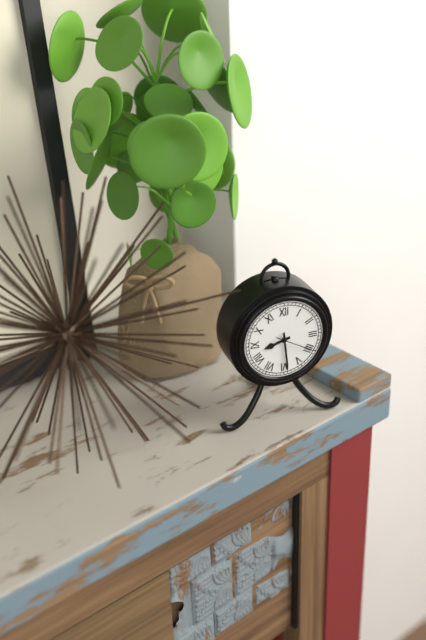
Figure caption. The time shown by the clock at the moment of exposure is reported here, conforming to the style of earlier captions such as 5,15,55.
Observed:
8,29,20
